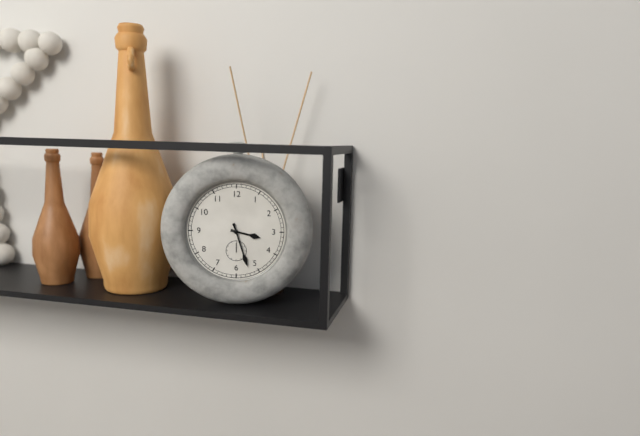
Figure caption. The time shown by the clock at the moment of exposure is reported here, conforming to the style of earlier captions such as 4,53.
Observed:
3,27
